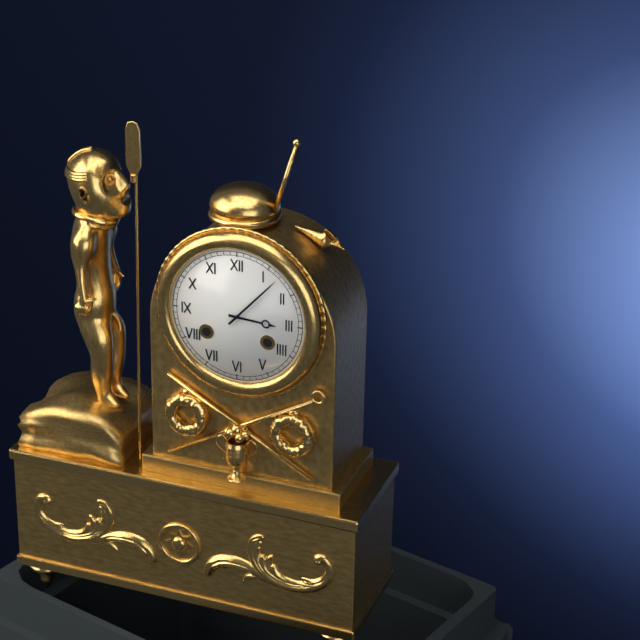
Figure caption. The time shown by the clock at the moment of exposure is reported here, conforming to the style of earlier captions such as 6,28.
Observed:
3,07
